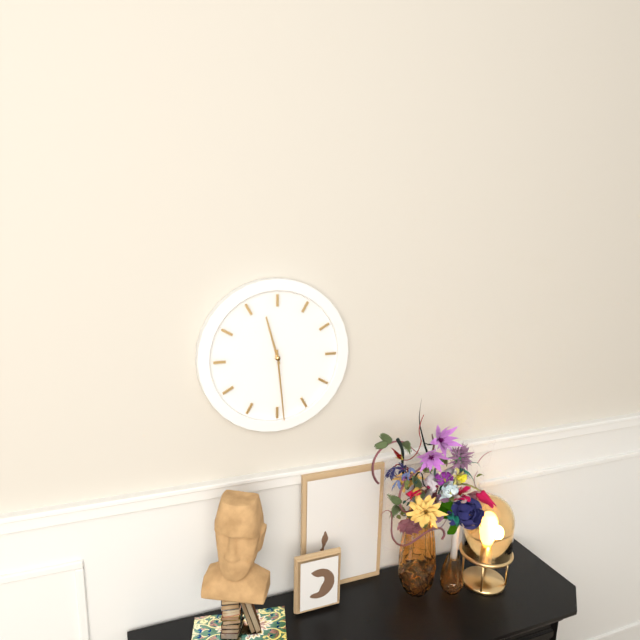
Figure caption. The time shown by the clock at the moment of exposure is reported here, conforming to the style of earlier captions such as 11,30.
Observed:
11,29
